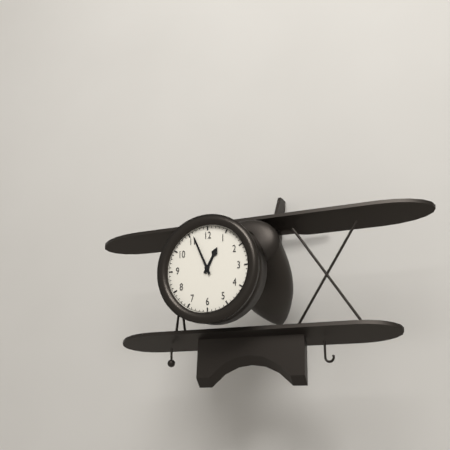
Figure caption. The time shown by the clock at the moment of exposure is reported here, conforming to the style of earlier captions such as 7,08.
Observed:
12,56
